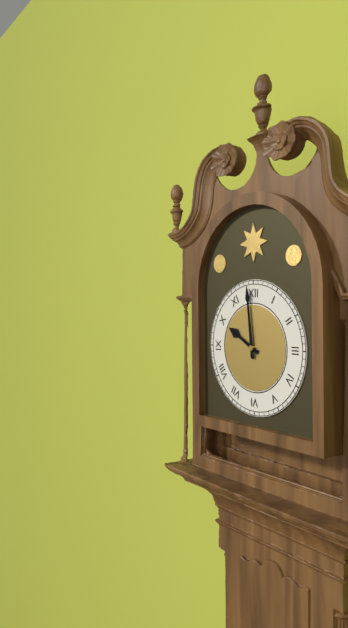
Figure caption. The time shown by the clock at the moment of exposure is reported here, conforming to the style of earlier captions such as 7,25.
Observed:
9,59
